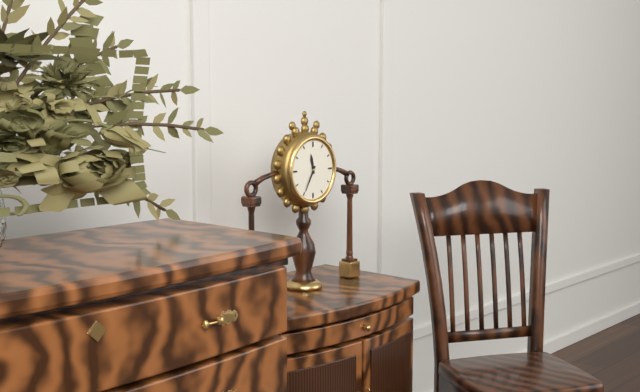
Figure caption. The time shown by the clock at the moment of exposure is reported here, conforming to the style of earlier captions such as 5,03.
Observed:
11,35
